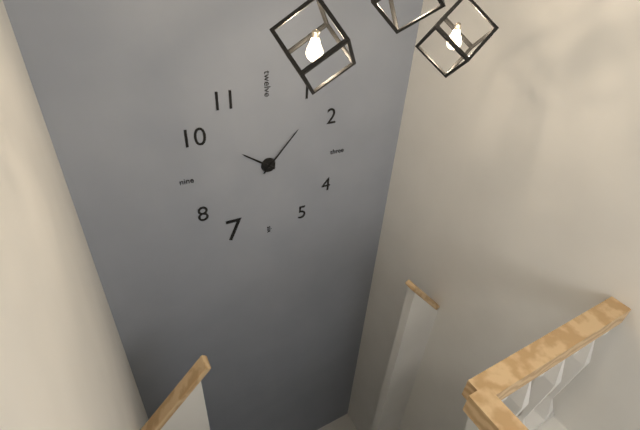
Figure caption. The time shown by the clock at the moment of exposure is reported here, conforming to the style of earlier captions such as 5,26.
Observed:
10,07
